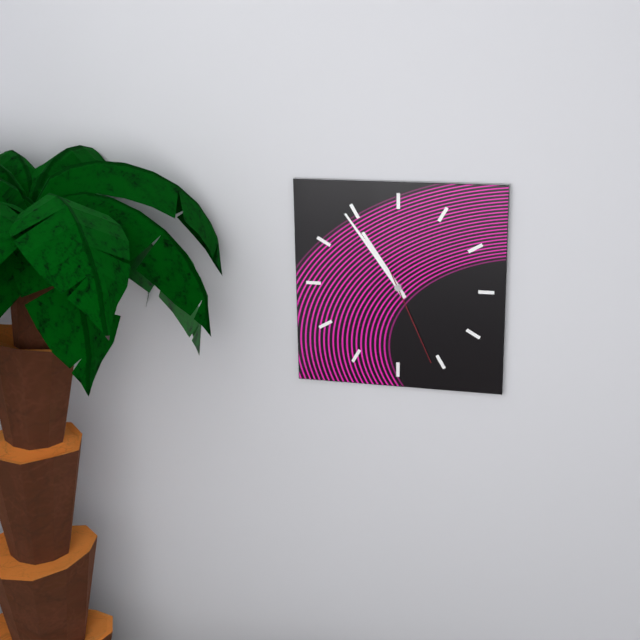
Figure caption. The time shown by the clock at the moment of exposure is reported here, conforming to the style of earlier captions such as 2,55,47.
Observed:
10,54,26
